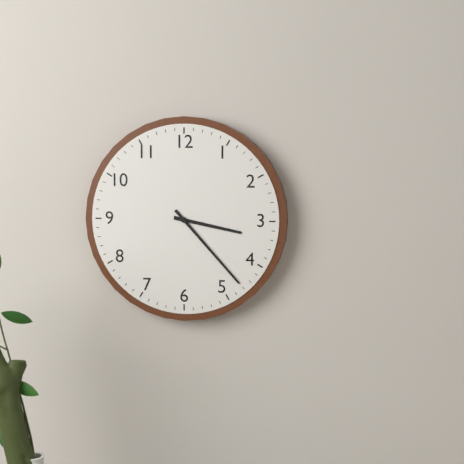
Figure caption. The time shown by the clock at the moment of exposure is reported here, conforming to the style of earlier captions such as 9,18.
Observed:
3,23
